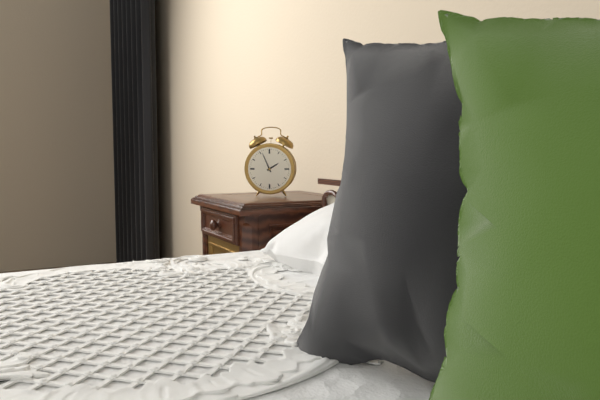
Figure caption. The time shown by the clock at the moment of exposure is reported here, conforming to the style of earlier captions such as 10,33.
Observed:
1,56
